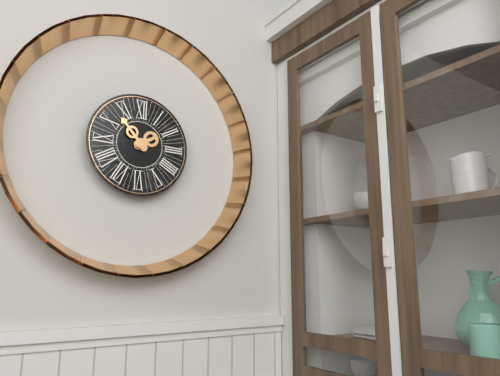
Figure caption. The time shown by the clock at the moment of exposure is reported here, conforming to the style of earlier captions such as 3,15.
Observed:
1,53
